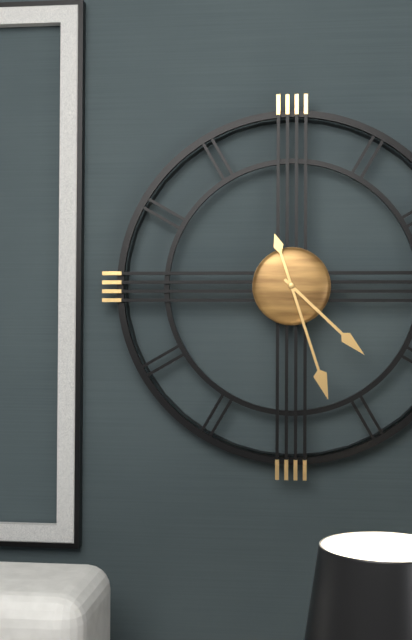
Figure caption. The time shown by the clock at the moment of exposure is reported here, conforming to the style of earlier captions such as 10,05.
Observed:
4,27
